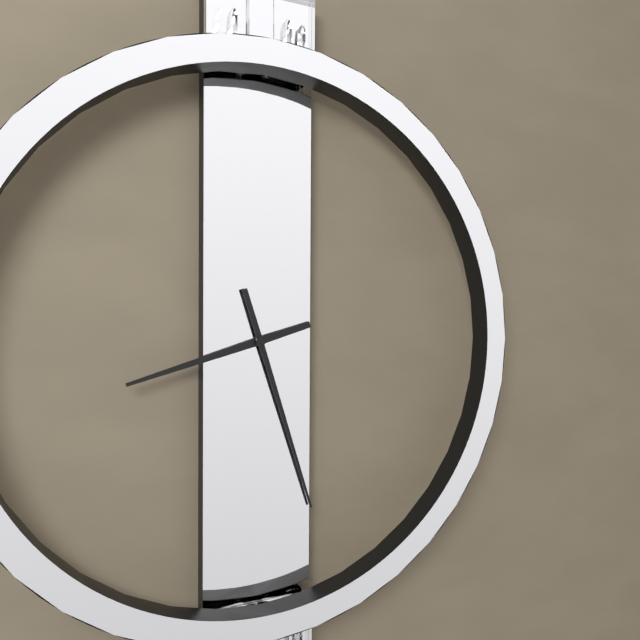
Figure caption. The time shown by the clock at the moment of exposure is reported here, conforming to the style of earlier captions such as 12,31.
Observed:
8,27
